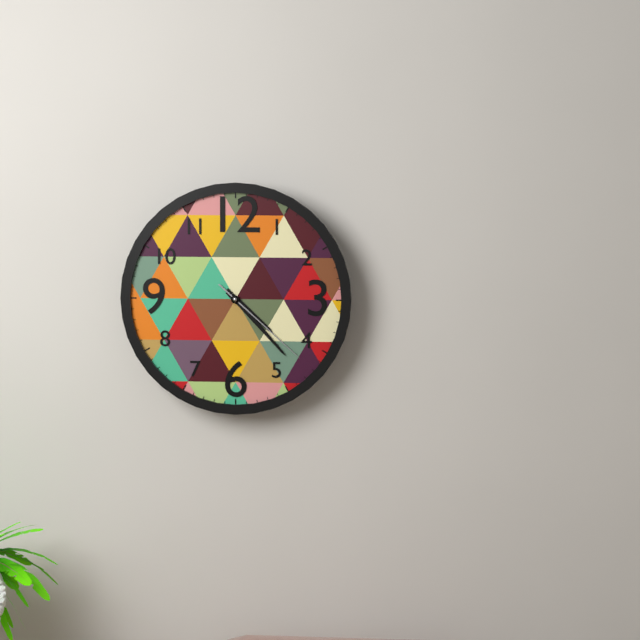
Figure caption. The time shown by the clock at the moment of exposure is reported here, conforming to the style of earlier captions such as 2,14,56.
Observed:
4,23,22
